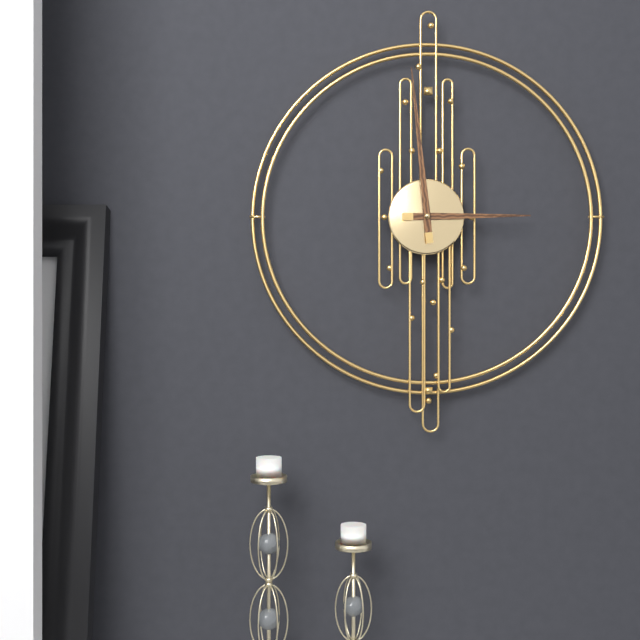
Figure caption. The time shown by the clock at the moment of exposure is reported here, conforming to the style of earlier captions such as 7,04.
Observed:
2,59
